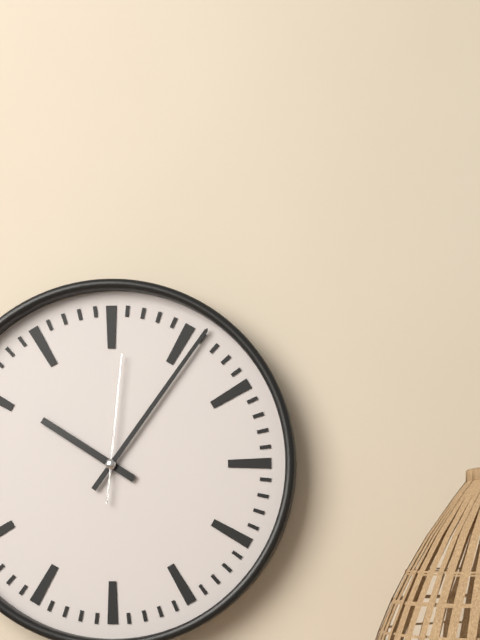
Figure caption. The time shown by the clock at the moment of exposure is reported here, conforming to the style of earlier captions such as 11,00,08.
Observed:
10,06,01
